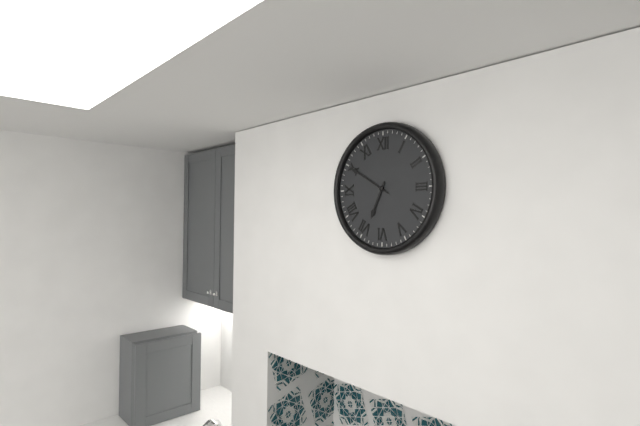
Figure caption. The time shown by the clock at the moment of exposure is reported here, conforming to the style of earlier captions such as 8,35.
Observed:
6,50
